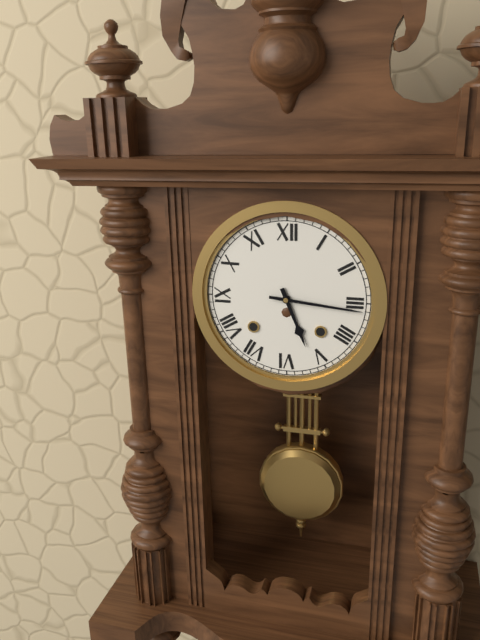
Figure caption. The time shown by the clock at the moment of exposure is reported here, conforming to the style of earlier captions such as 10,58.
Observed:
5,16
